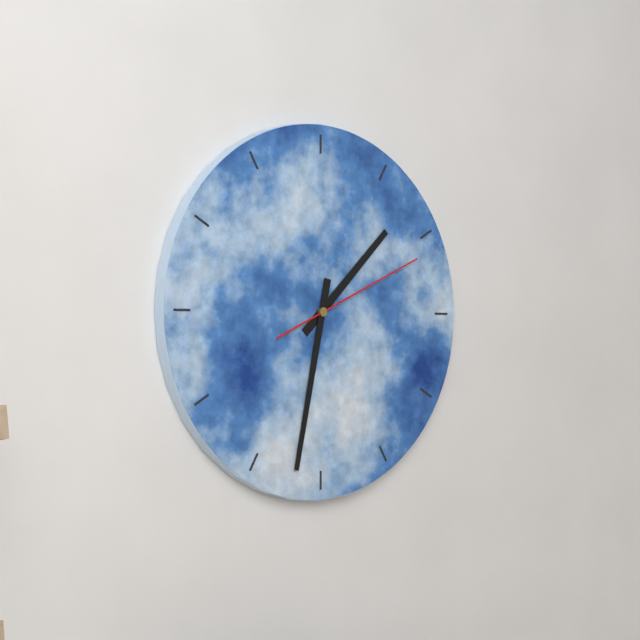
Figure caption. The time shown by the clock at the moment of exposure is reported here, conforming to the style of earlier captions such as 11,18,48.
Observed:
1,32,11
